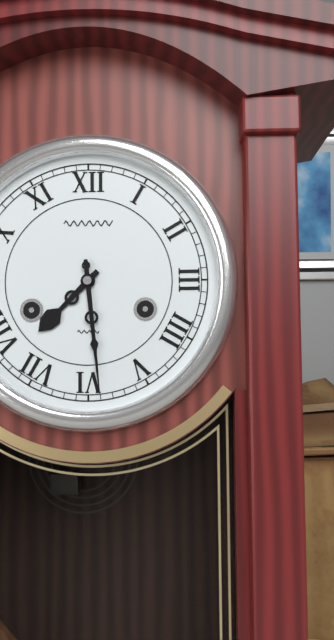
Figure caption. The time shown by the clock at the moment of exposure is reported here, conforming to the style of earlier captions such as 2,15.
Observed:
7,29
